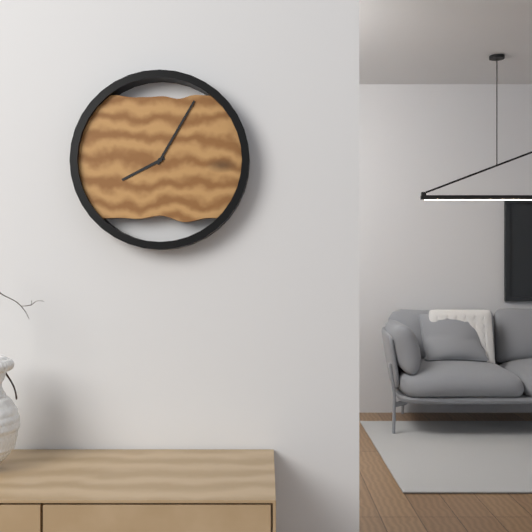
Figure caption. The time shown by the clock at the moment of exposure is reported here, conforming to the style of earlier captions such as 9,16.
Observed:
8,05
